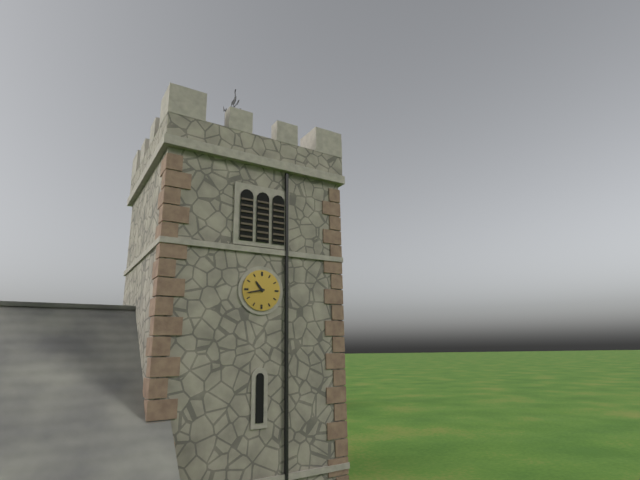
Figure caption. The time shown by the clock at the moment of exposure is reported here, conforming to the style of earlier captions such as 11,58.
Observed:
10,43
